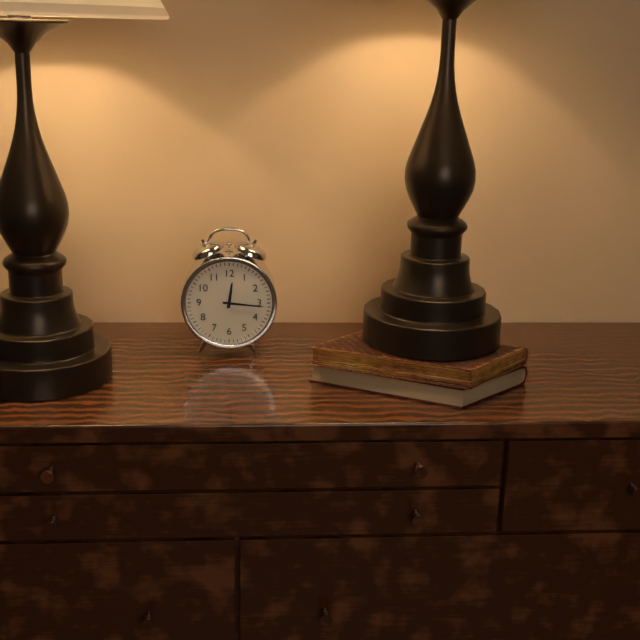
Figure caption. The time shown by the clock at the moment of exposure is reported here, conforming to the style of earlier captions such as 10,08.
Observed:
12,16
